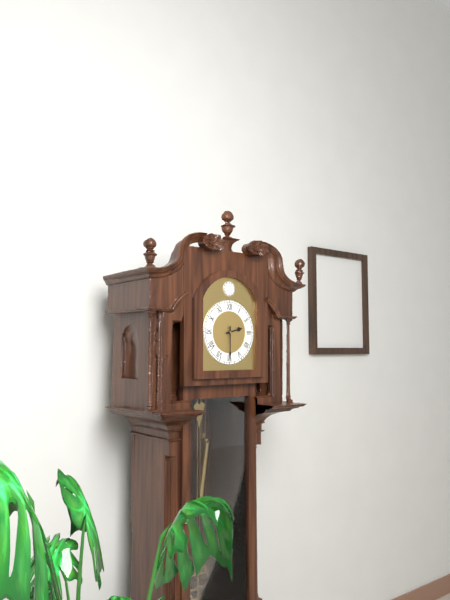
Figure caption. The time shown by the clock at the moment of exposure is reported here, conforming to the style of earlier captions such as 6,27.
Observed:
2,30
